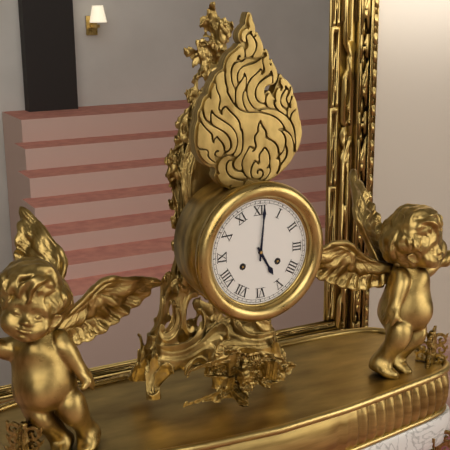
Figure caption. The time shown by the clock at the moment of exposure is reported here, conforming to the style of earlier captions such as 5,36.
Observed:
5,01
